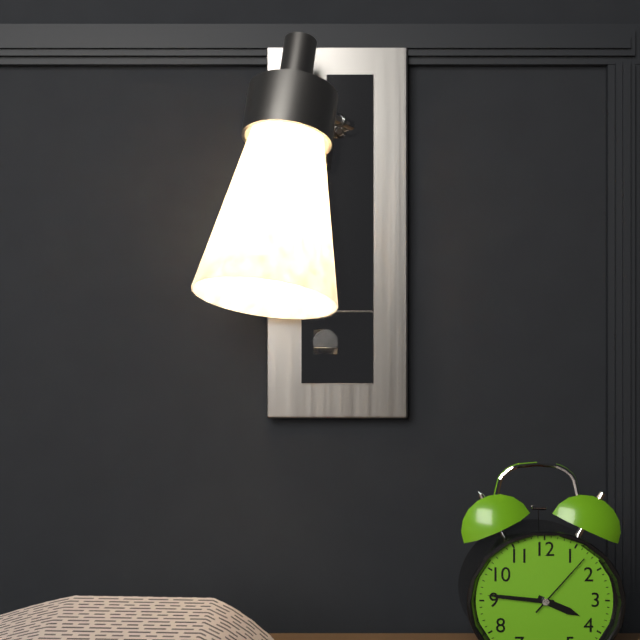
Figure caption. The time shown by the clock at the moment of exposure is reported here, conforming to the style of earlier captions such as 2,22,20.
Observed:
3,46,07
